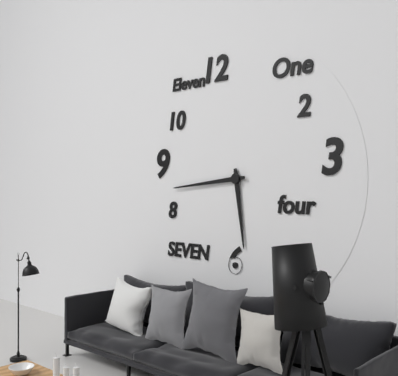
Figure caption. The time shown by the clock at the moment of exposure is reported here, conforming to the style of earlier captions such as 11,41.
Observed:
5,44
